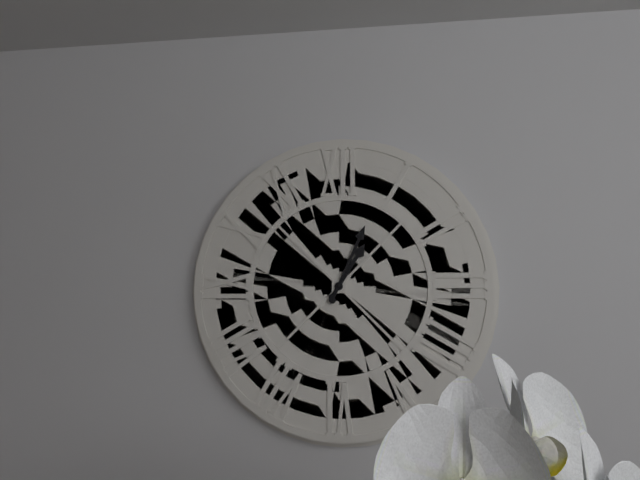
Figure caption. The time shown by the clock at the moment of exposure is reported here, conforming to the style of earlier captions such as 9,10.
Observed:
1,04
